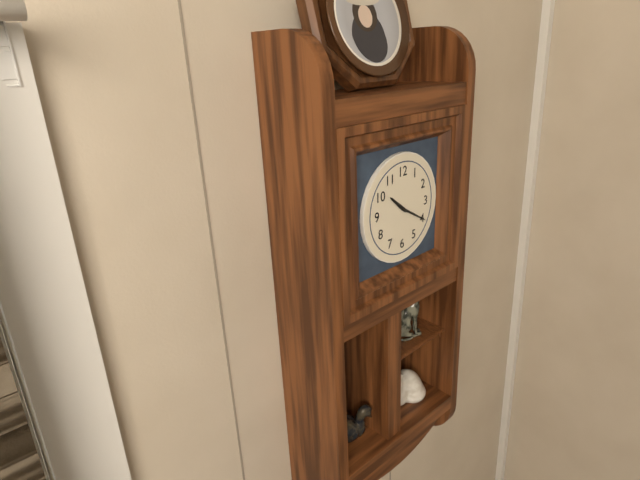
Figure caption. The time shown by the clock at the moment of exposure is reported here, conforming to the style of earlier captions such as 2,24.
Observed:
10,20
